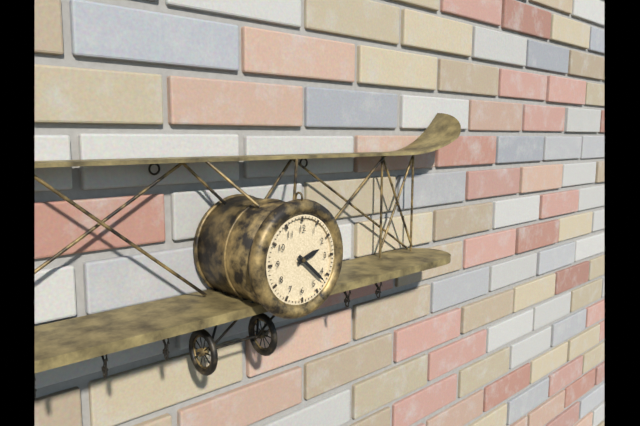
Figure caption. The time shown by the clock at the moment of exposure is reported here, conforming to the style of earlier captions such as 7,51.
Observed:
2,22
